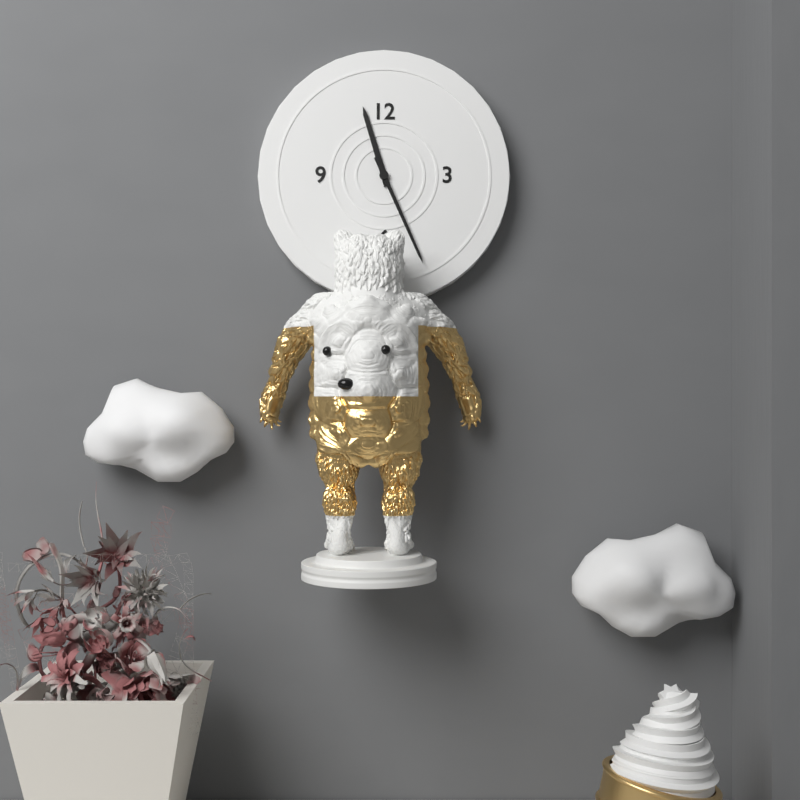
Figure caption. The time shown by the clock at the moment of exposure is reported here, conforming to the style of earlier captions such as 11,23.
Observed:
11,26
